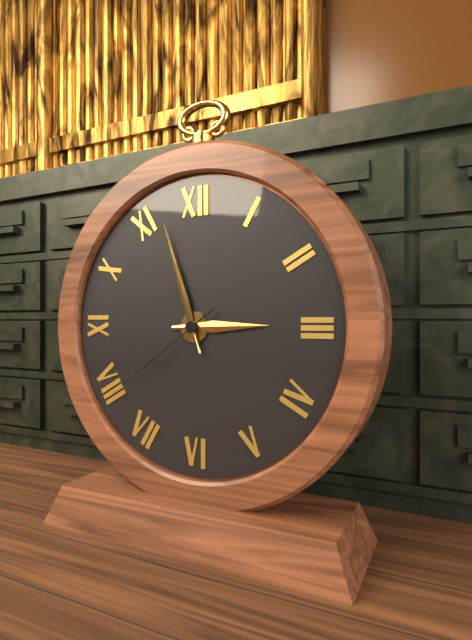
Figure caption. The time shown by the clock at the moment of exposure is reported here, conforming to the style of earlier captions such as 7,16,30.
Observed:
2,57,39
